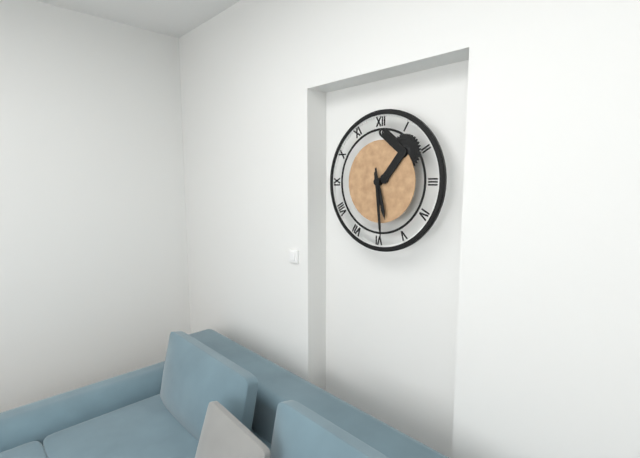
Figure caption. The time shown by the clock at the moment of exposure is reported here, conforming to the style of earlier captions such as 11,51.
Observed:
5,29
